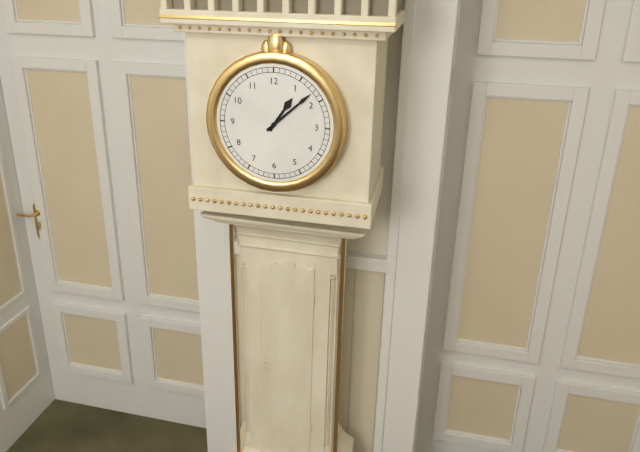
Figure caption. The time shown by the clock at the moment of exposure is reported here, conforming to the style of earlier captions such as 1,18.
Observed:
1,08
